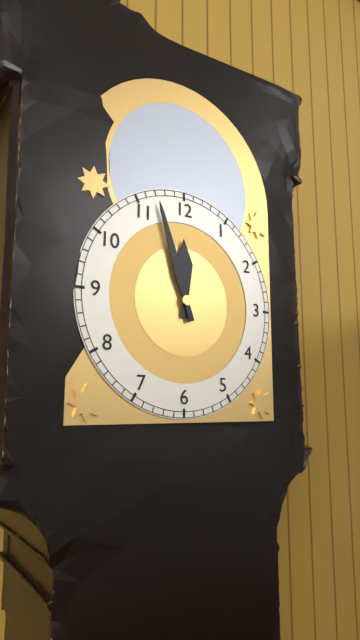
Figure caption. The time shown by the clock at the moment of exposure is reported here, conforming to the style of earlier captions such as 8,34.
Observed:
11,57
